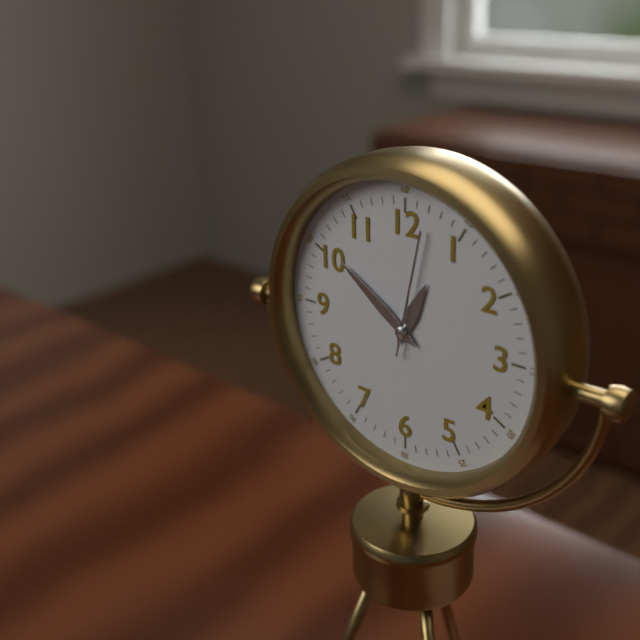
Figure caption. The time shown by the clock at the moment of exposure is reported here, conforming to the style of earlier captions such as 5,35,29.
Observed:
12,51,02
